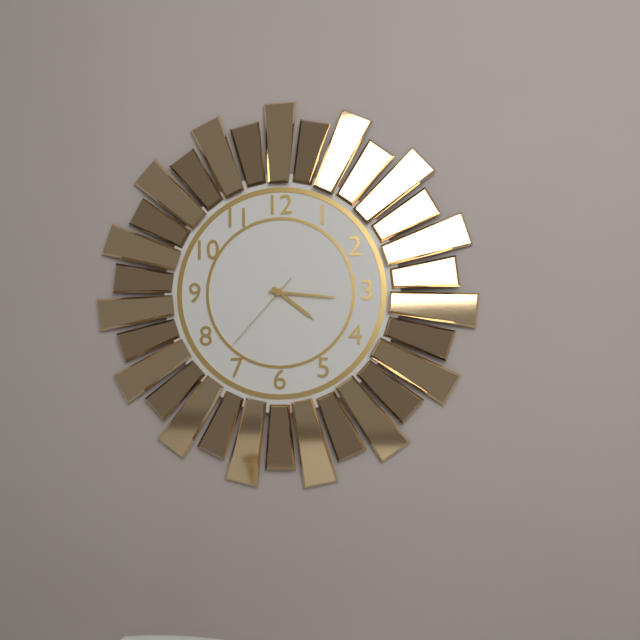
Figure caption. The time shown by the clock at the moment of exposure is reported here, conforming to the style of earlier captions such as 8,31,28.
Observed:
4,16,37
